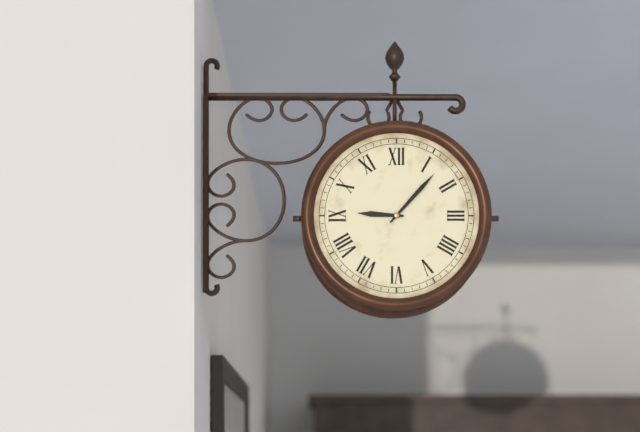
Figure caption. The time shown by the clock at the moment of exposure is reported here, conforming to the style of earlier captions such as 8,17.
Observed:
9,07
